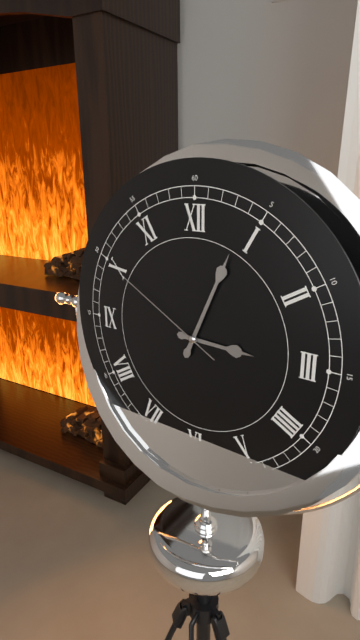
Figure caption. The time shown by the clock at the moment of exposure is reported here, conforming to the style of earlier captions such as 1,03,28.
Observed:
3,04,50
